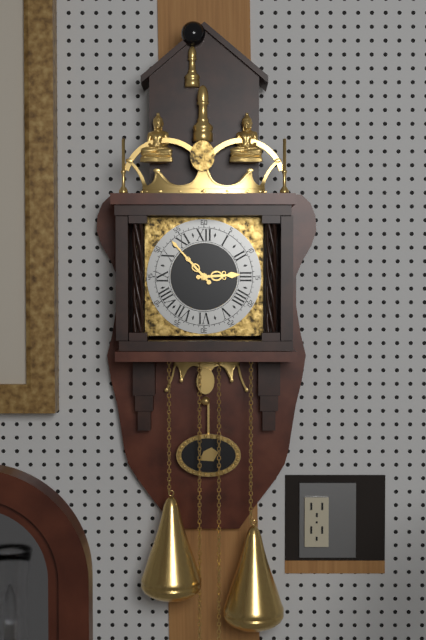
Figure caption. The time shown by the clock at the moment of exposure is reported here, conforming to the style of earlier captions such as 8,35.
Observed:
2,53
